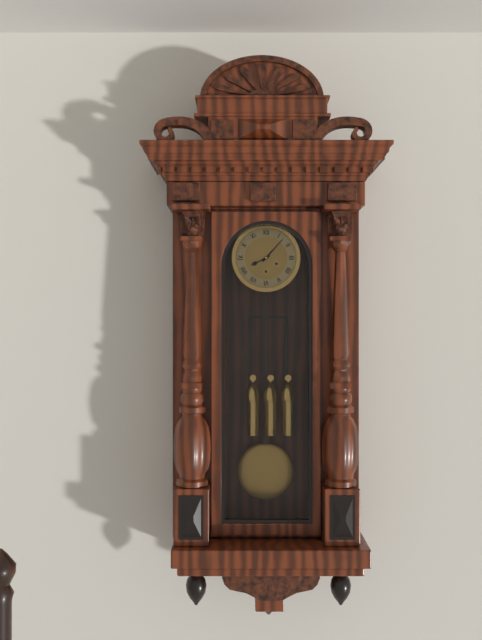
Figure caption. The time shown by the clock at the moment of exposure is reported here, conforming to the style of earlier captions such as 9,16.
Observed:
8,07
